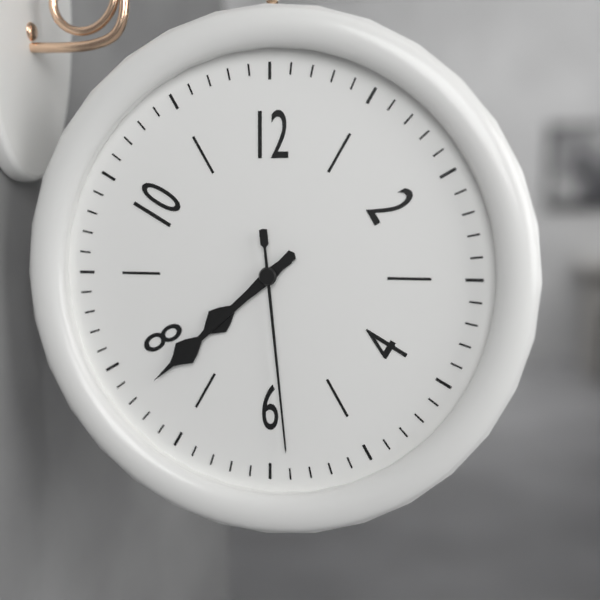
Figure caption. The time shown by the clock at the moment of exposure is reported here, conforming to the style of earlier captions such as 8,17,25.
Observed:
7,38,29
